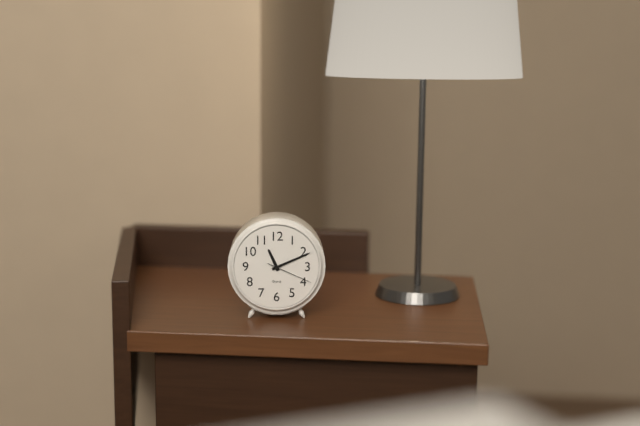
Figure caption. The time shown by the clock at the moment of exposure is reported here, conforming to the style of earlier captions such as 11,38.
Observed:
11,11
